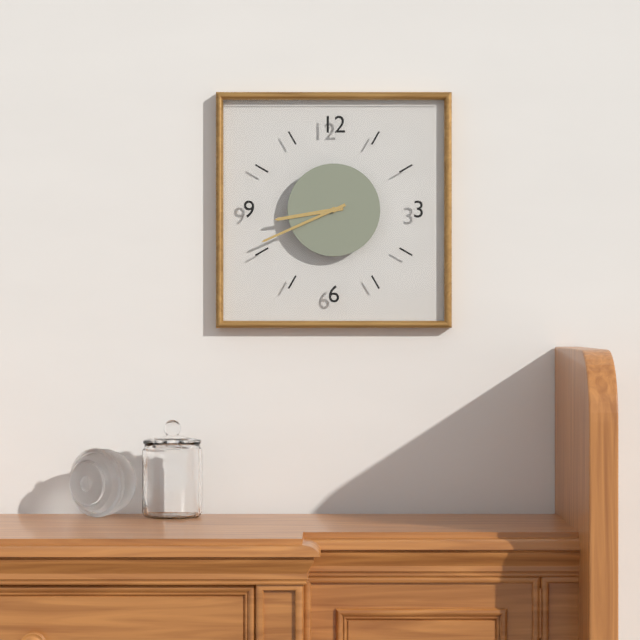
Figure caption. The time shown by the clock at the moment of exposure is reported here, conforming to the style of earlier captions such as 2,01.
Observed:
8,41
